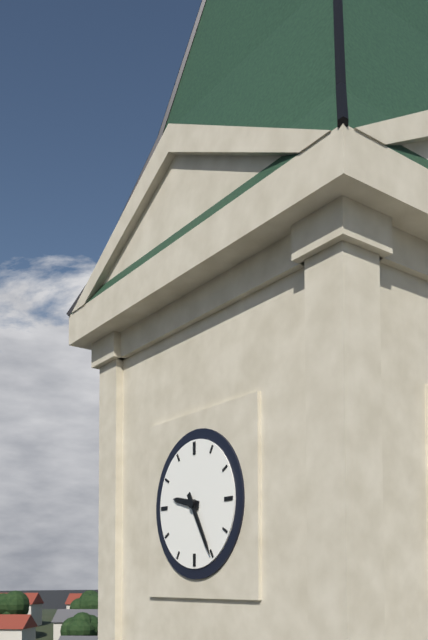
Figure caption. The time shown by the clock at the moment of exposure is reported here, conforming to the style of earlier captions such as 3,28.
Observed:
9,25
